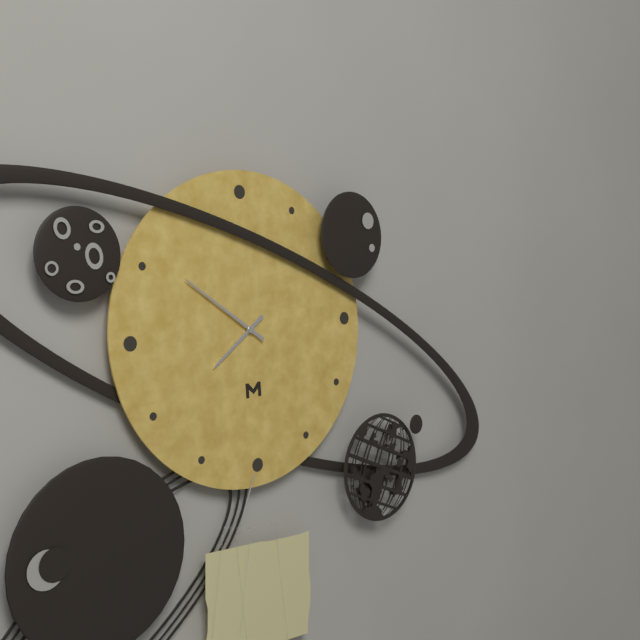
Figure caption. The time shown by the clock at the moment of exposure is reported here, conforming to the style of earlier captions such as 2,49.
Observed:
7,51
